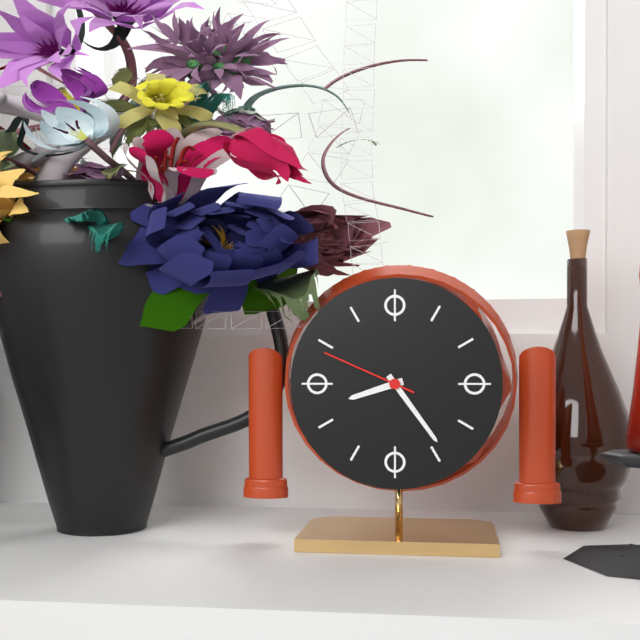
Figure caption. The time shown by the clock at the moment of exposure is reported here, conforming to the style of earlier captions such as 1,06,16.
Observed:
8,24,49
